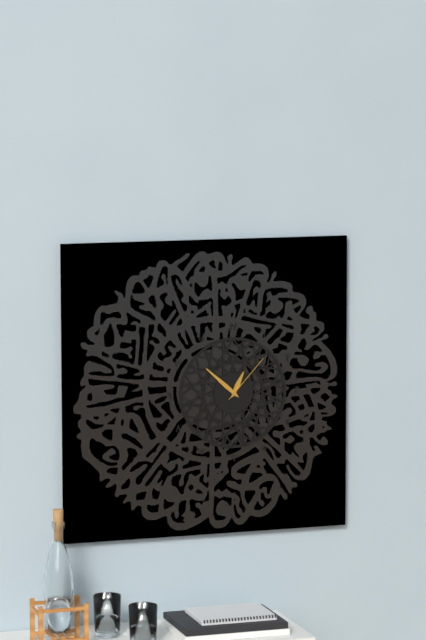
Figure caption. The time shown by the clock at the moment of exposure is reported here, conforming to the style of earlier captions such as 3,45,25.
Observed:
12,52,07
